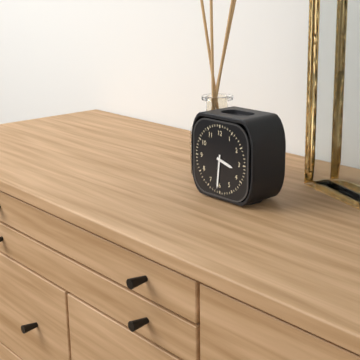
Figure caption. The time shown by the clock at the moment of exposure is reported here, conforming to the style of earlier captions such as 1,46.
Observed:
3,31
